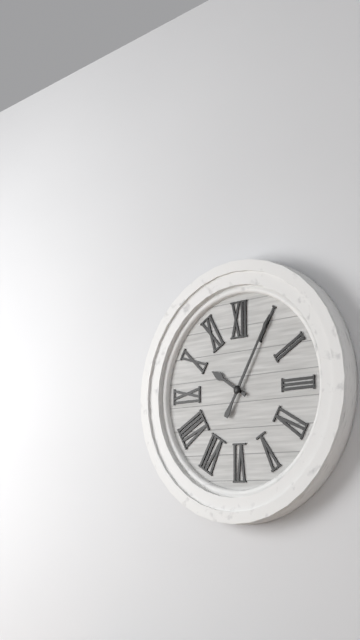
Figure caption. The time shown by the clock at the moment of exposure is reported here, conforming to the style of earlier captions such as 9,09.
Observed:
10,05
